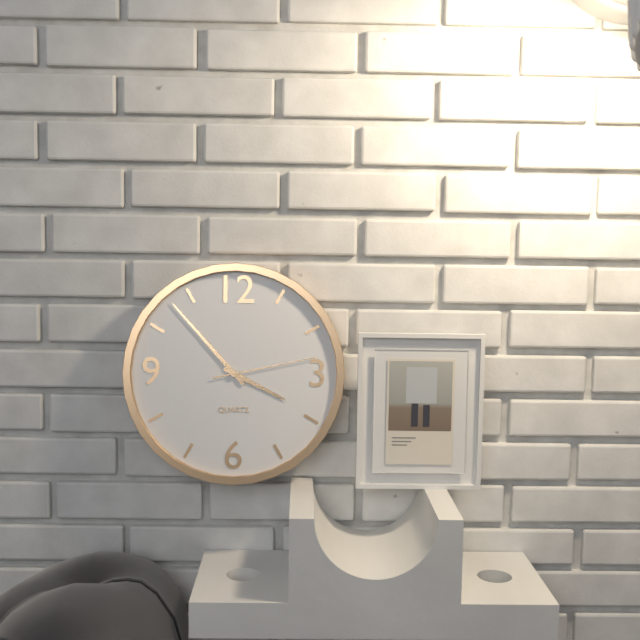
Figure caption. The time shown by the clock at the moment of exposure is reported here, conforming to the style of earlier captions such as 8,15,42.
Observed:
3,53,13
